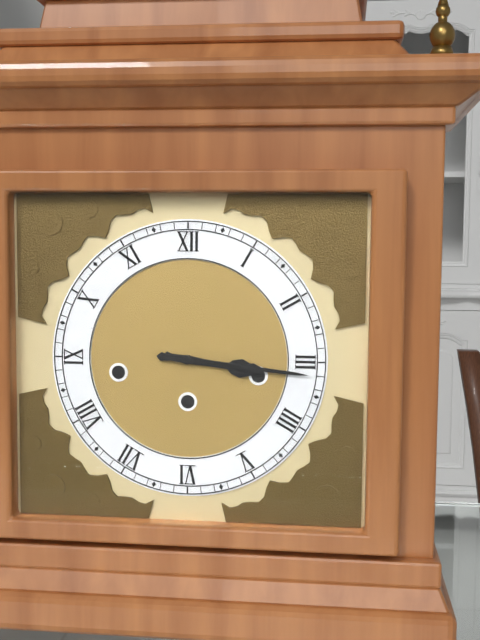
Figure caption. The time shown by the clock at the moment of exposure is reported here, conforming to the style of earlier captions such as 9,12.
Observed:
3,16
